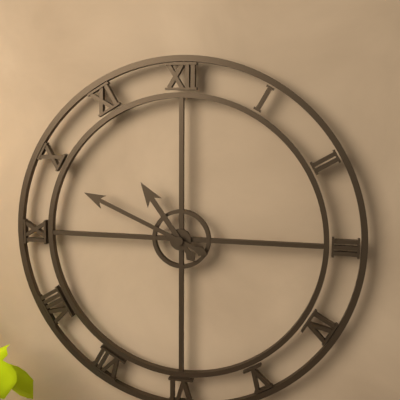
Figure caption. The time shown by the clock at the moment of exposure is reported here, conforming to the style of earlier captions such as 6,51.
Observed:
10,49
